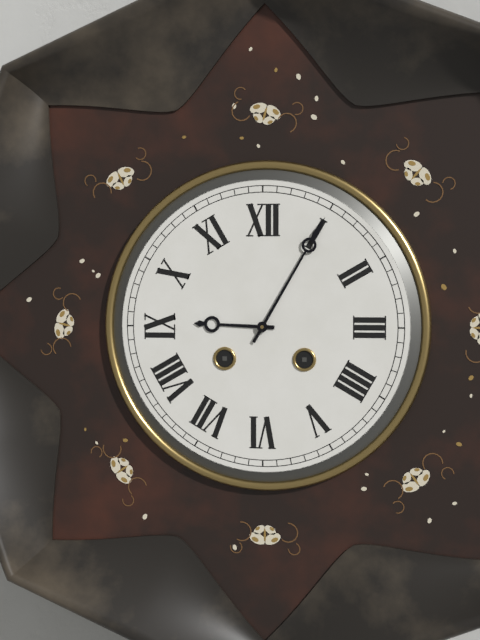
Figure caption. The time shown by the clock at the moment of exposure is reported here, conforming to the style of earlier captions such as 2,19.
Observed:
9,05
